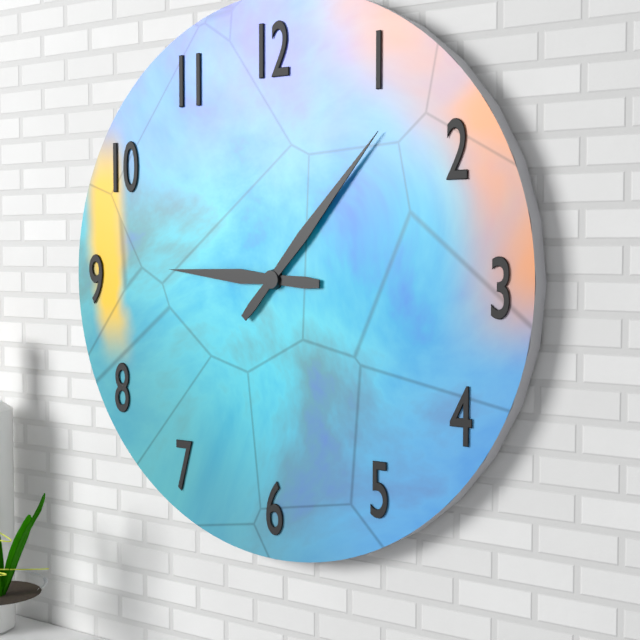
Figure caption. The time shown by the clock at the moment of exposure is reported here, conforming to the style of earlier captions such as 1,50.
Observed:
9,07
